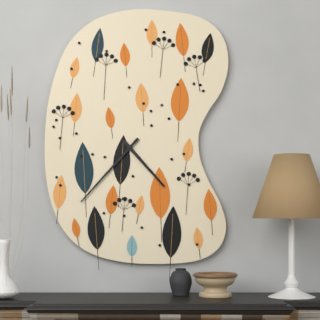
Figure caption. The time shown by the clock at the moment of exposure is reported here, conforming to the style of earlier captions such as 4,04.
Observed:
4,37
